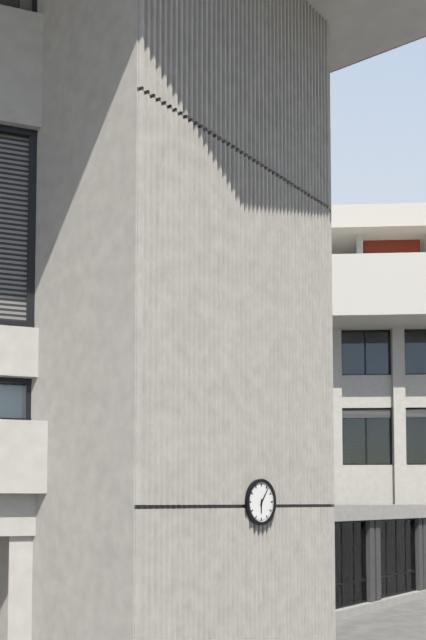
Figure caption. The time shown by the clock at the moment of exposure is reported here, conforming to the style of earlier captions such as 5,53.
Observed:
6,06
